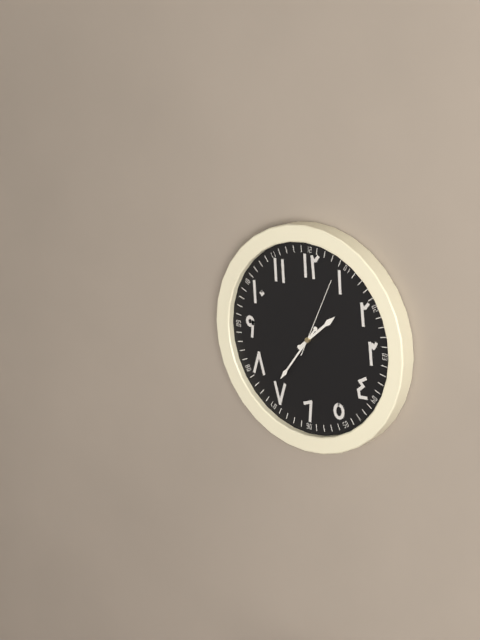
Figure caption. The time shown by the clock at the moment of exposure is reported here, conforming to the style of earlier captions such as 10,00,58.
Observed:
1,36,04
